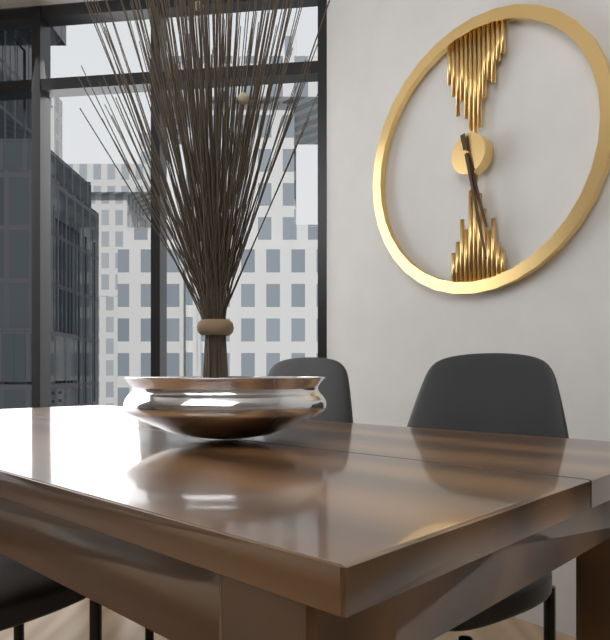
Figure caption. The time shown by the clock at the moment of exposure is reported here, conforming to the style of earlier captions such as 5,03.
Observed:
5,28
